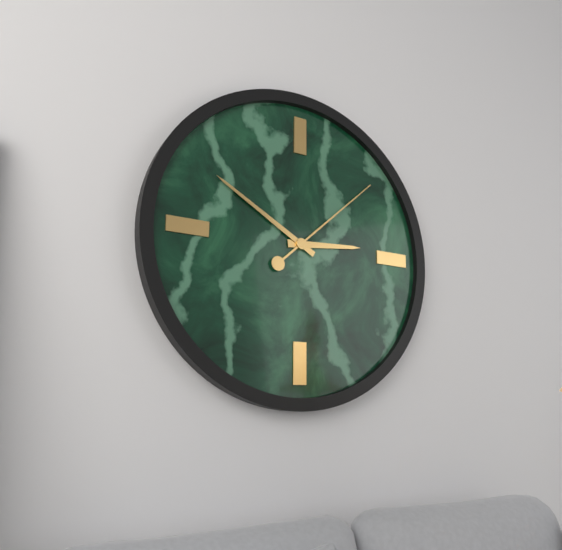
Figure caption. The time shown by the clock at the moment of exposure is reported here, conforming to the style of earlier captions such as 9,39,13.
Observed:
2,50,08
